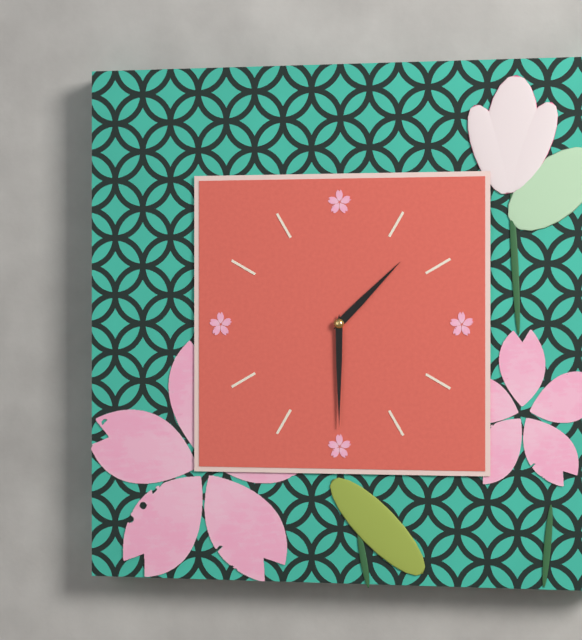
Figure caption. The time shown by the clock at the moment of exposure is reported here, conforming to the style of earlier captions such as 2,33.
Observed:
1,30
